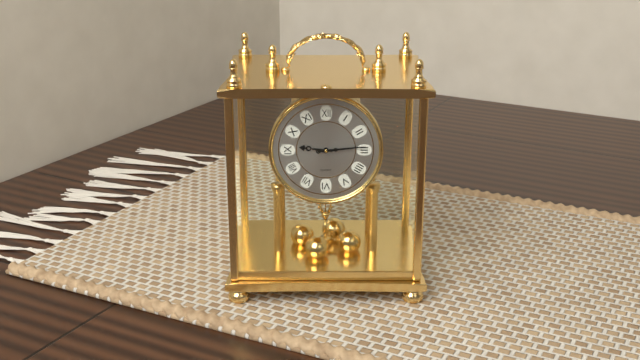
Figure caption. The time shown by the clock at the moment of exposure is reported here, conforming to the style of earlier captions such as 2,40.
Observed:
9,14
